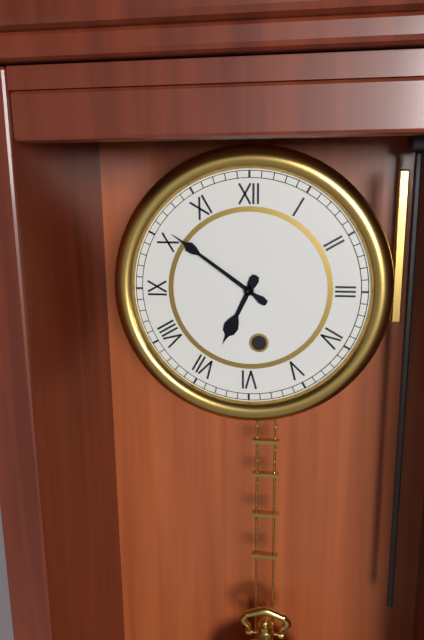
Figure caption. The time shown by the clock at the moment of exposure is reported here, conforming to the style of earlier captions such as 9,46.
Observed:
6,51
